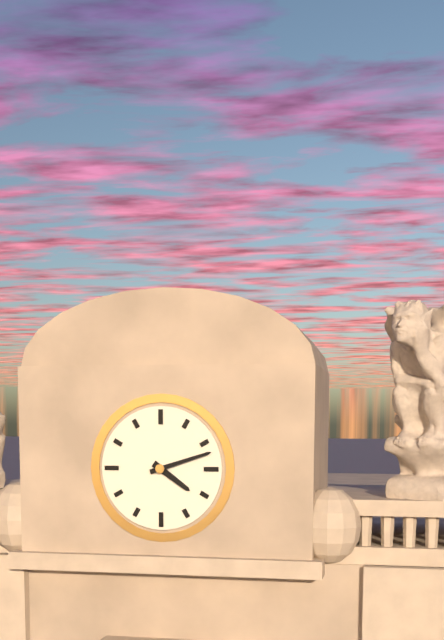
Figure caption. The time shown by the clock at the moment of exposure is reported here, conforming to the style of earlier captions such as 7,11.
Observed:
4,12
